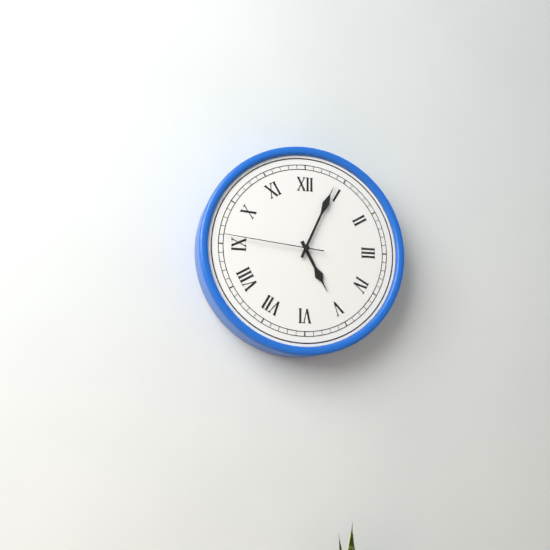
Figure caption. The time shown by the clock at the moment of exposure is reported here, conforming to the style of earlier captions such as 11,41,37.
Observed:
5,04,46
